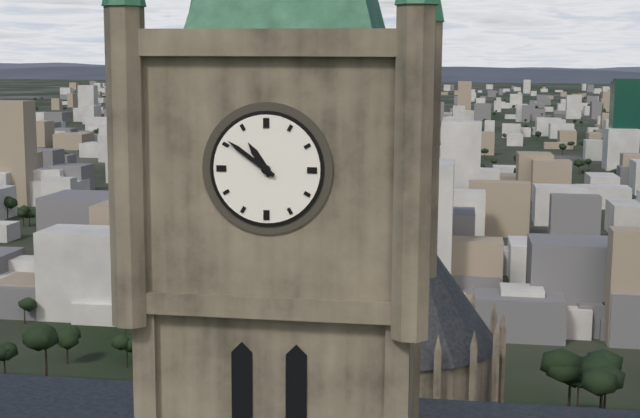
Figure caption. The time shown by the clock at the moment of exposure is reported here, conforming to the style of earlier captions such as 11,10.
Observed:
10,51
